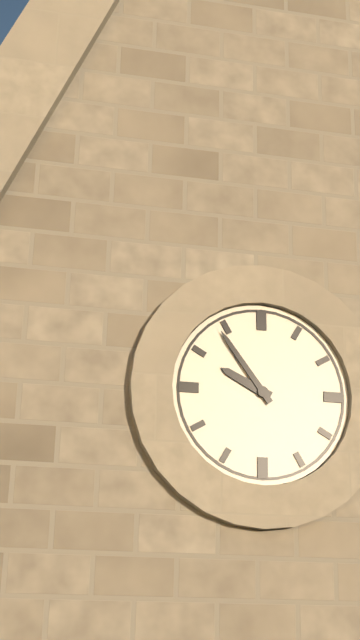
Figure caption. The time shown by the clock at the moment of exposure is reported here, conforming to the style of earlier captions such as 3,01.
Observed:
9,54
